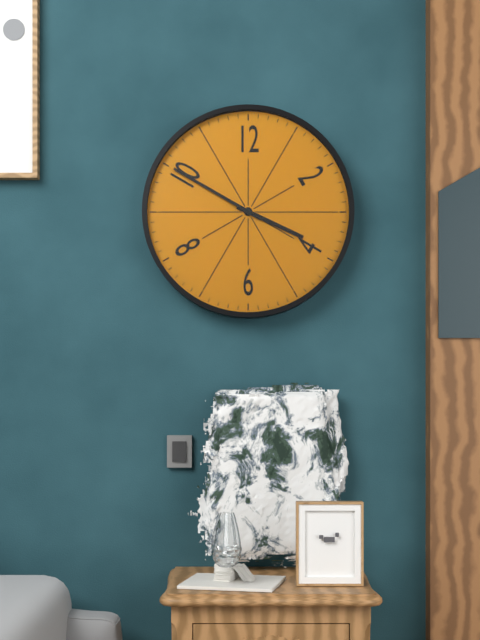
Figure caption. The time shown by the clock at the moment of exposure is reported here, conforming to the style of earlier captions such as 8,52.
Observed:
3,50
